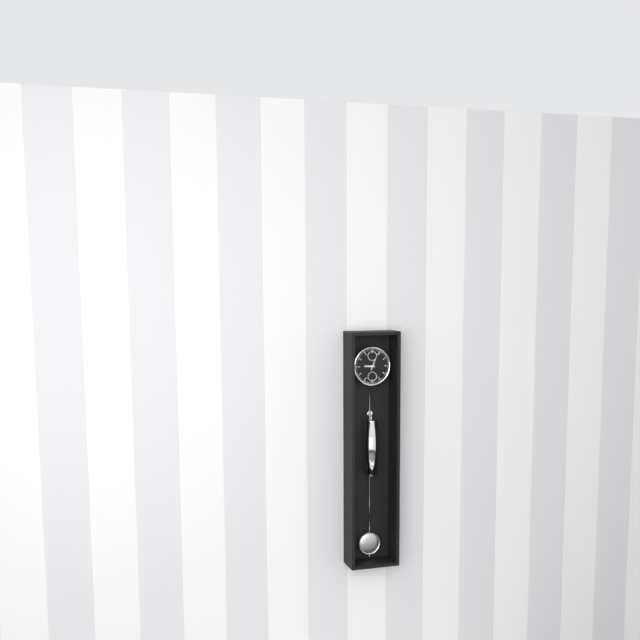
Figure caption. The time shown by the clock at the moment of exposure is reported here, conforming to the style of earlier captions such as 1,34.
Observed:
9,04
